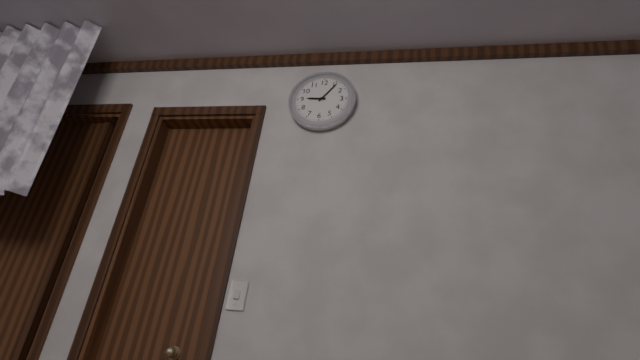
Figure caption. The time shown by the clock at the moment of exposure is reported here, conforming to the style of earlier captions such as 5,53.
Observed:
9,06
